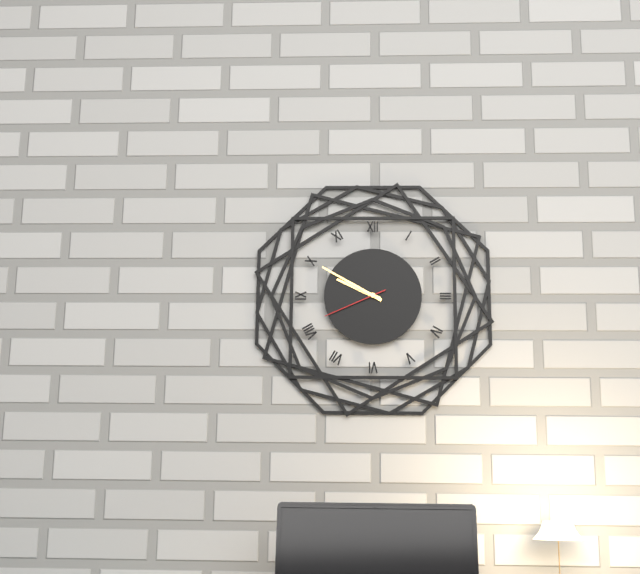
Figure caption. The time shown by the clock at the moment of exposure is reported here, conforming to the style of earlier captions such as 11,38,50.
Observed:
9,50,41
